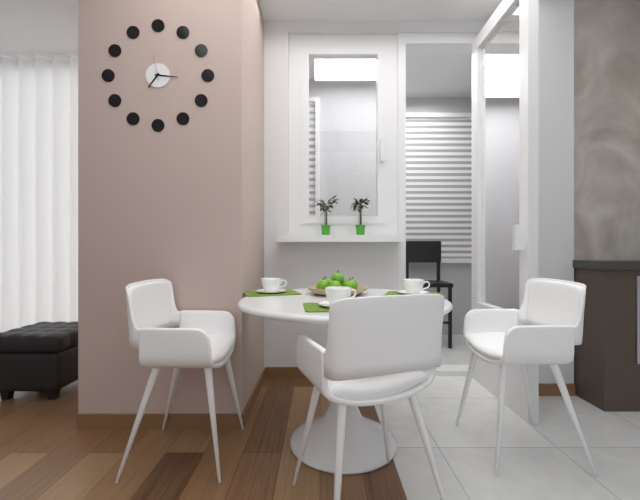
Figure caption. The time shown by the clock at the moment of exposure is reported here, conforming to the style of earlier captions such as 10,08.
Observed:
7,16
